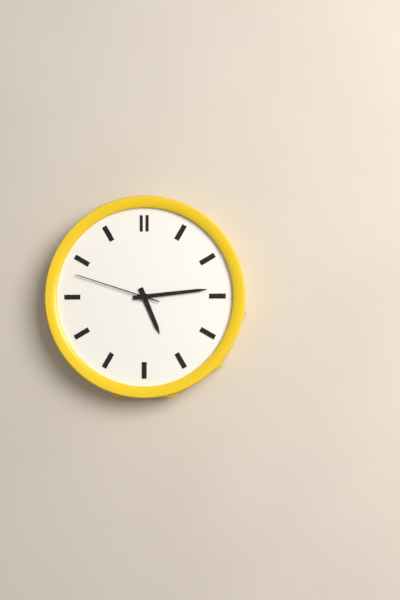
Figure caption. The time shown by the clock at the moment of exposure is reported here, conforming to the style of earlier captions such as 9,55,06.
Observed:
5,14,48
